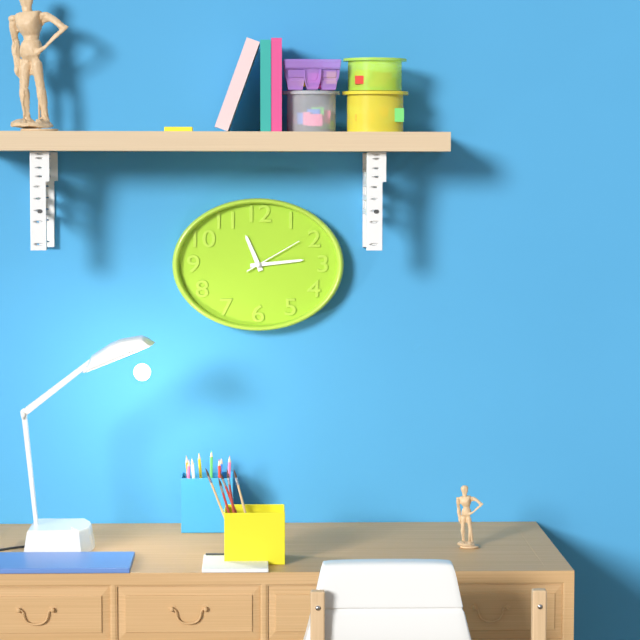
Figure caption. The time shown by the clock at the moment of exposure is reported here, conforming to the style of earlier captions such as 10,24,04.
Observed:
11,14,10
